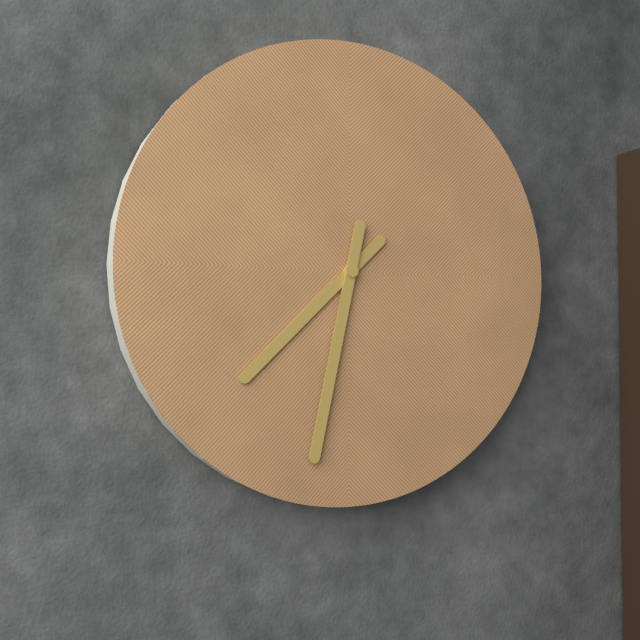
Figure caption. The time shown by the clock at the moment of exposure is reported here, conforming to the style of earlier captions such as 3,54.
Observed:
7,32
